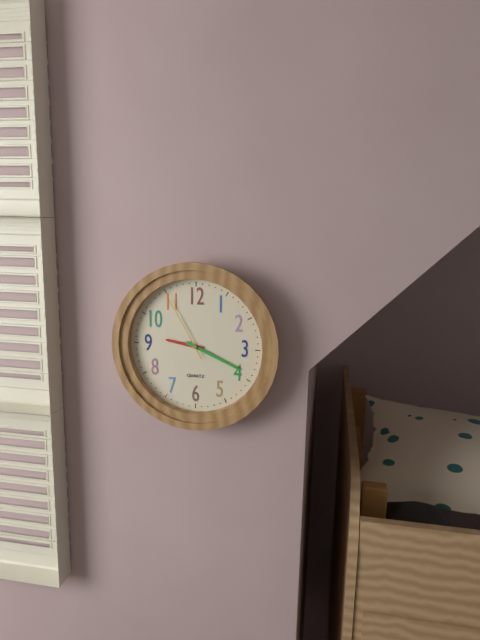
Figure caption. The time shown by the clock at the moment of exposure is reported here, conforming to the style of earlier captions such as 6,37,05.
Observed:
9,19,55
